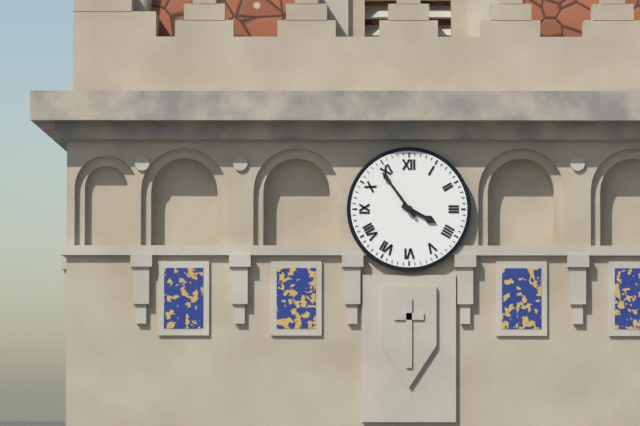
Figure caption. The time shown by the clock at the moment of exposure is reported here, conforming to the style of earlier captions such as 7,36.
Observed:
3,54
